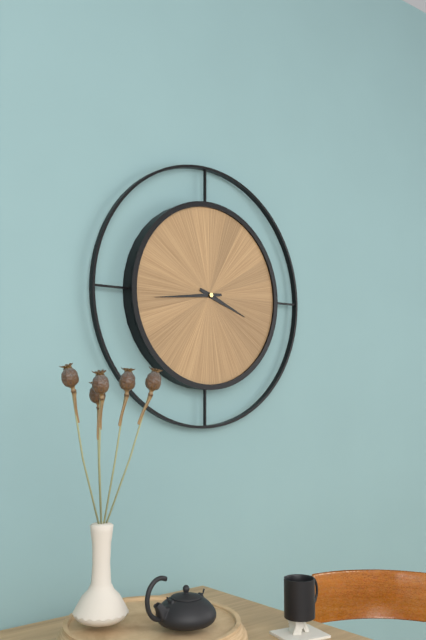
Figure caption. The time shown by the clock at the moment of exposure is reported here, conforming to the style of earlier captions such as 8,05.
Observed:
3,44
